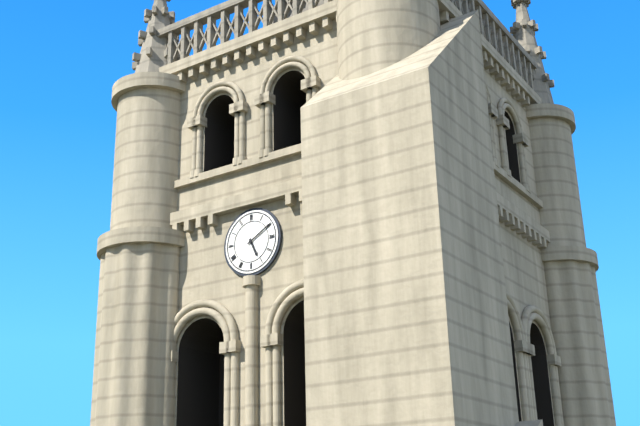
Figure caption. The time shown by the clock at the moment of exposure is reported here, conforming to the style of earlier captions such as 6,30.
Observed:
5,10
